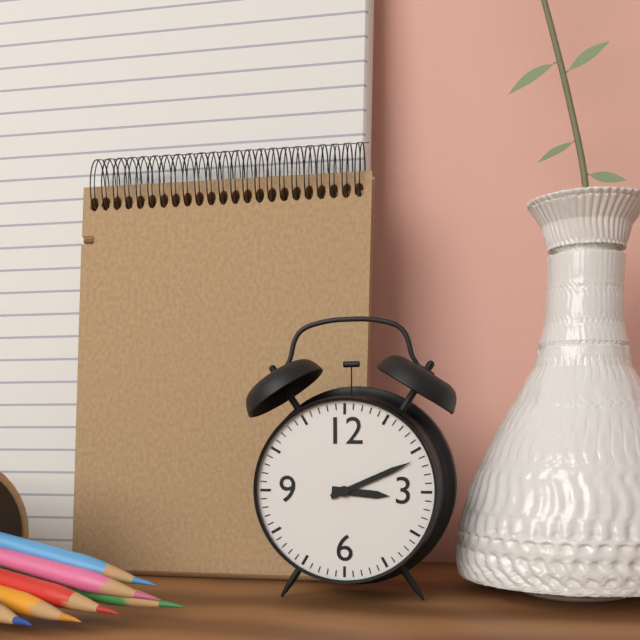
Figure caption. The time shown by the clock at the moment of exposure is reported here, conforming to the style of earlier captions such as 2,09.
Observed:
3,11
